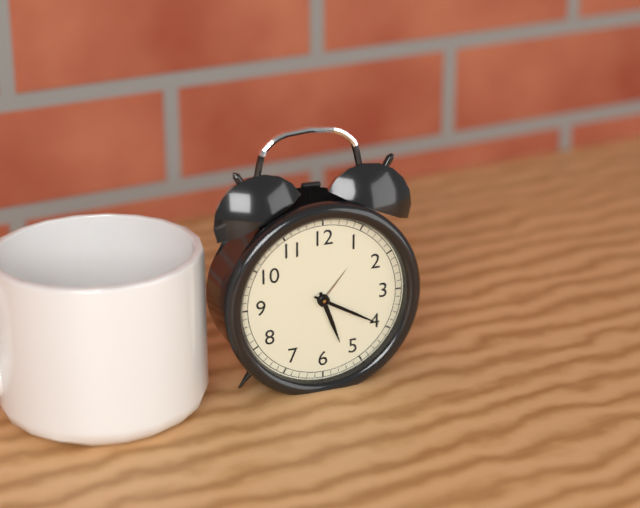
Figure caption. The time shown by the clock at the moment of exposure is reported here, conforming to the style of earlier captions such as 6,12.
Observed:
5,20
